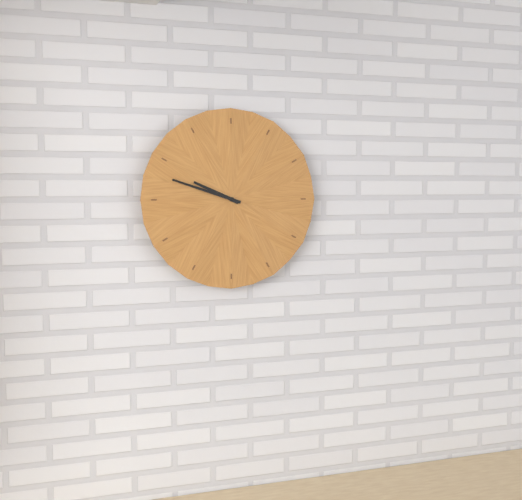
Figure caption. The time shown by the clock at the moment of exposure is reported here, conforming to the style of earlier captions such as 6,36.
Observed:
9,48
